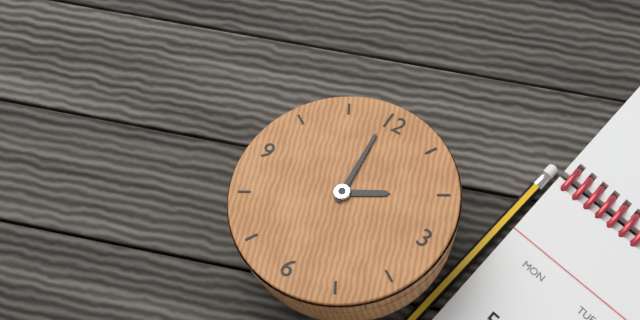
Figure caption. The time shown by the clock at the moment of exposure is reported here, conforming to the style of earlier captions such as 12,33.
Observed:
1,59
